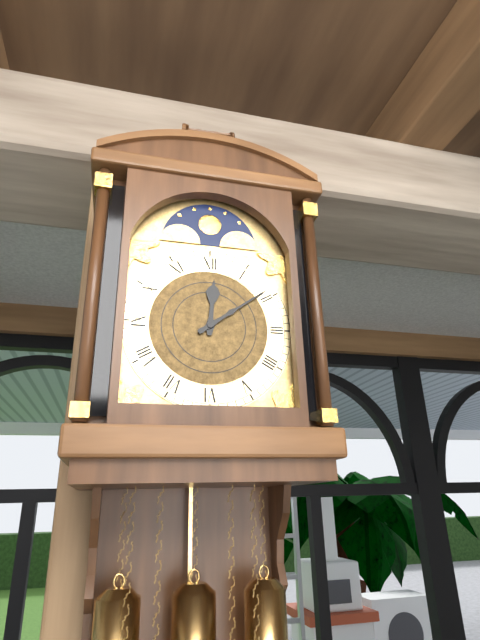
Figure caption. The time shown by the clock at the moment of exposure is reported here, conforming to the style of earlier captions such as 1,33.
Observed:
12,09
